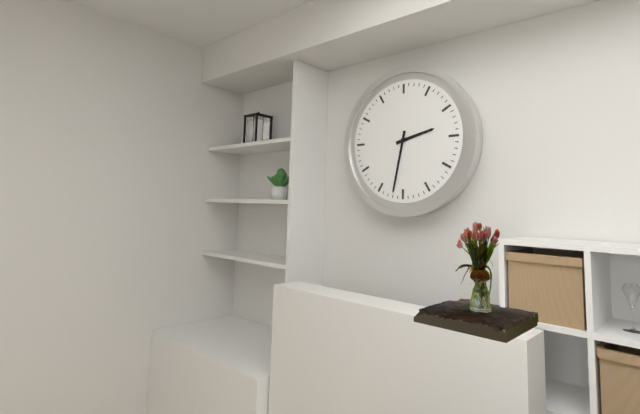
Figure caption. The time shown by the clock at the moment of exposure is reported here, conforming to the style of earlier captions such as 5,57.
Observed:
2,32
